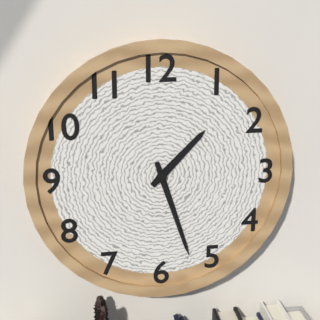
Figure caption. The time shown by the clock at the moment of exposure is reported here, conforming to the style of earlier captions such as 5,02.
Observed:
1,27
